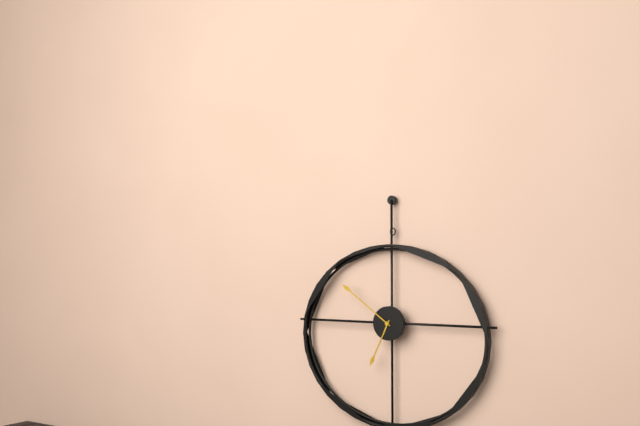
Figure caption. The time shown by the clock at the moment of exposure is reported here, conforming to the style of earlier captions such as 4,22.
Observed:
6,51
